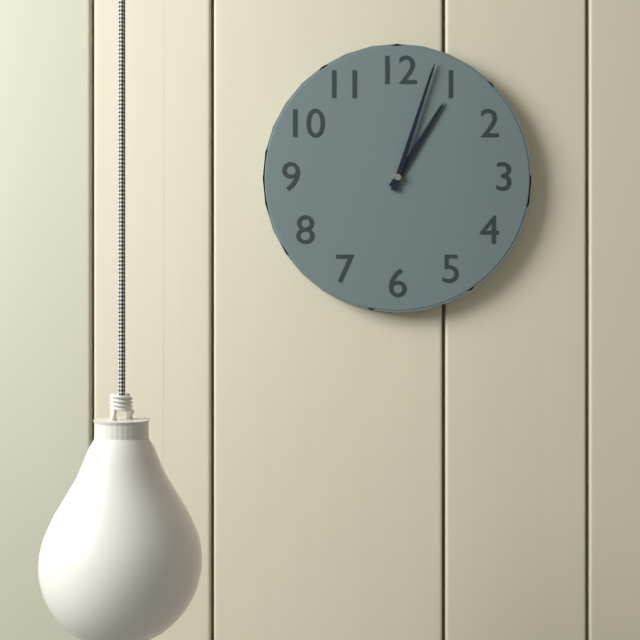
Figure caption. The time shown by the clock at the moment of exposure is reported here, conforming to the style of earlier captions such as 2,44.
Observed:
1,03
